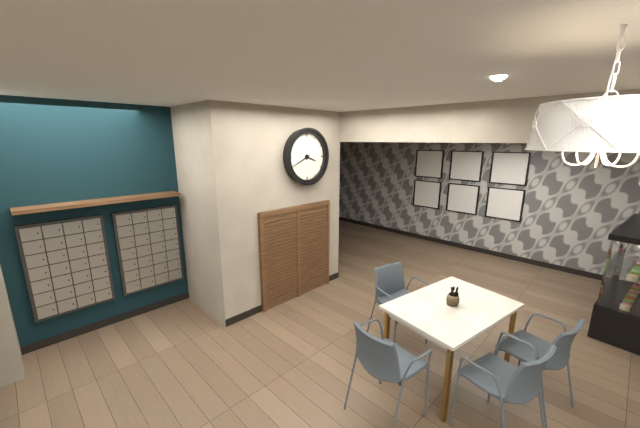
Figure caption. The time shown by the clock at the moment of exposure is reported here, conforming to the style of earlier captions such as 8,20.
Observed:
3,41
